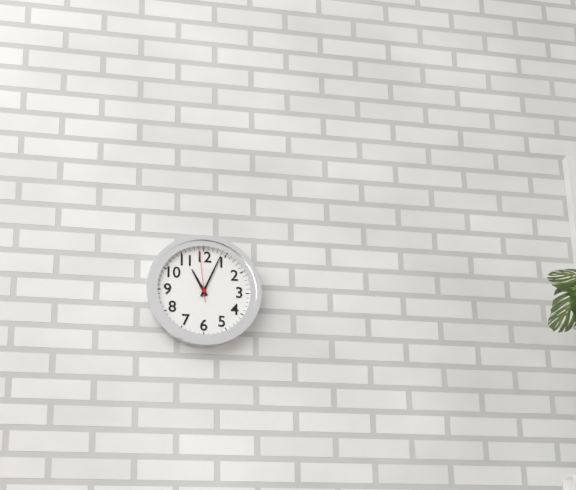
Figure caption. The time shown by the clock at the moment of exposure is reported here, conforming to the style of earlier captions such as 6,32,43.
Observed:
11,04,59
